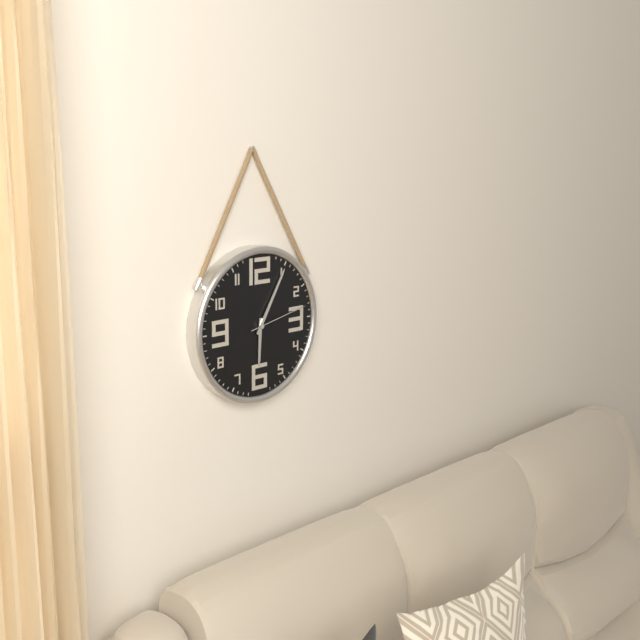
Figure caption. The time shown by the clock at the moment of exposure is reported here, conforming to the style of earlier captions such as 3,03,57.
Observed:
6,05,13
